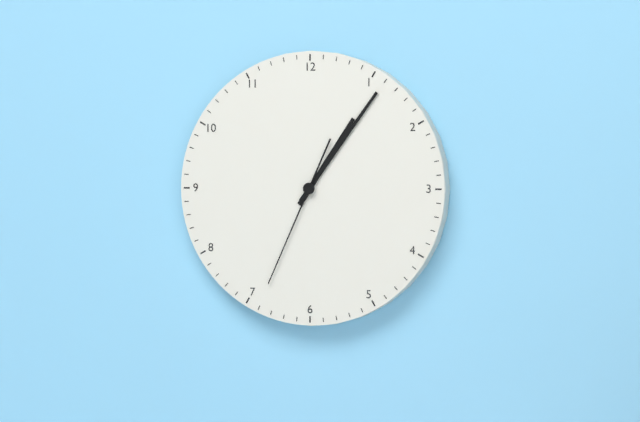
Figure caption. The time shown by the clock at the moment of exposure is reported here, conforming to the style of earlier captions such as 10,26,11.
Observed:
1,06,34
